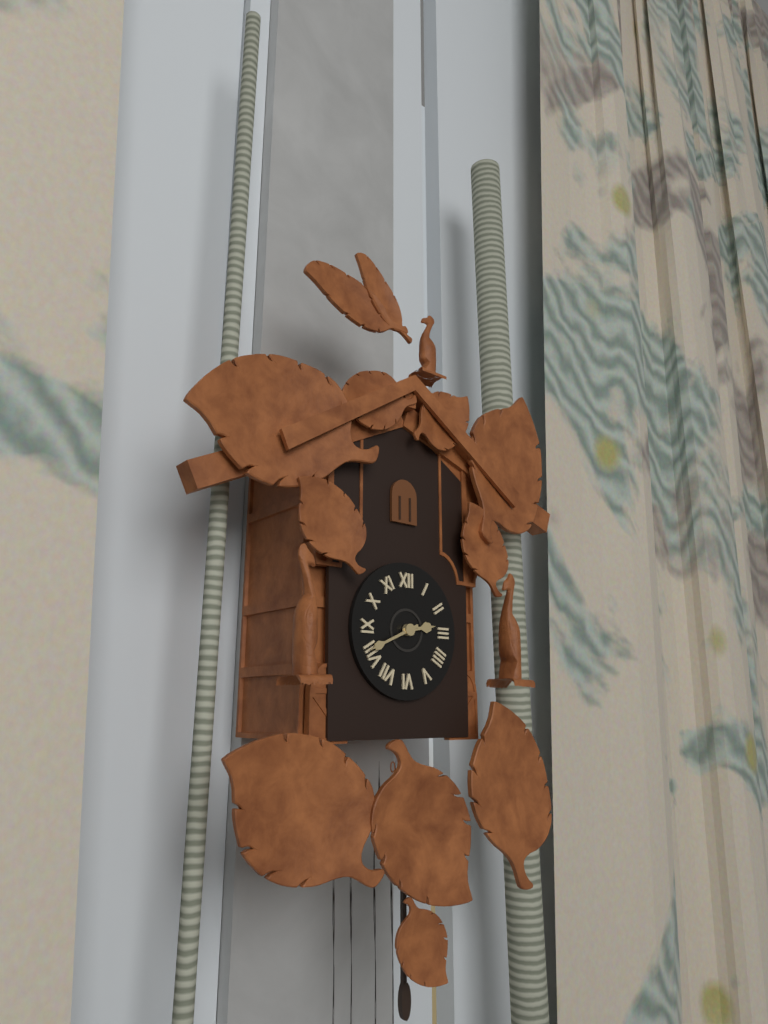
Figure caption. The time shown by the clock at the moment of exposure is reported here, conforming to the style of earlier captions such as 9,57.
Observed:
2,41
